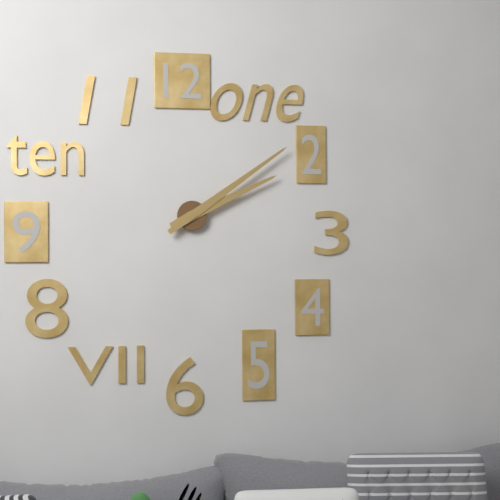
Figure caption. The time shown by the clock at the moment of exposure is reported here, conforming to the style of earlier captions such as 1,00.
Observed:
2,09
